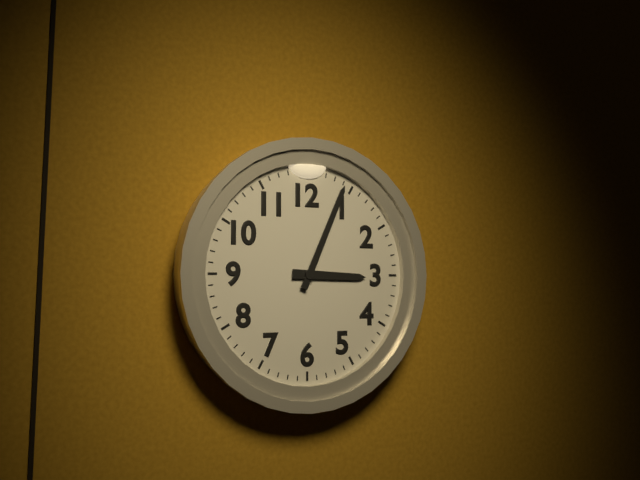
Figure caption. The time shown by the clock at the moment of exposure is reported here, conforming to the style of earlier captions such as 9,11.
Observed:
3,04
